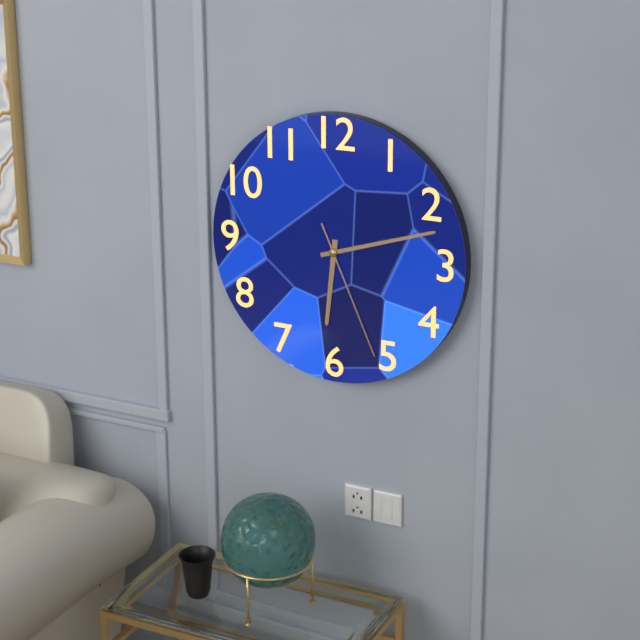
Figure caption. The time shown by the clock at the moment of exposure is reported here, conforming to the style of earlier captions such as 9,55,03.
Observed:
6,12,26
